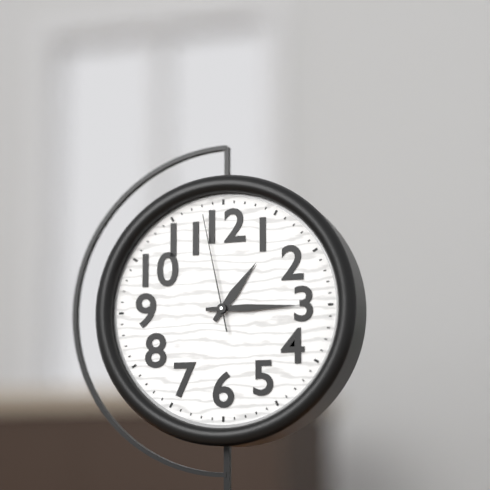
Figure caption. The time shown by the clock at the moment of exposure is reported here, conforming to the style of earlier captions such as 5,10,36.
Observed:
1,15,58
